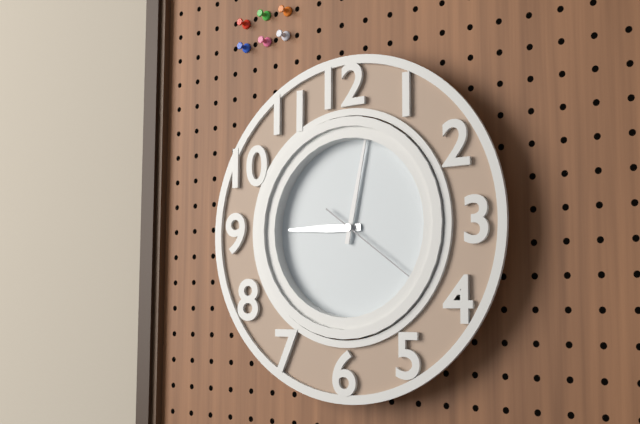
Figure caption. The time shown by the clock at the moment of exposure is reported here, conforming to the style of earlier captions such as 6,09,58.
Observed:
9,02,21
